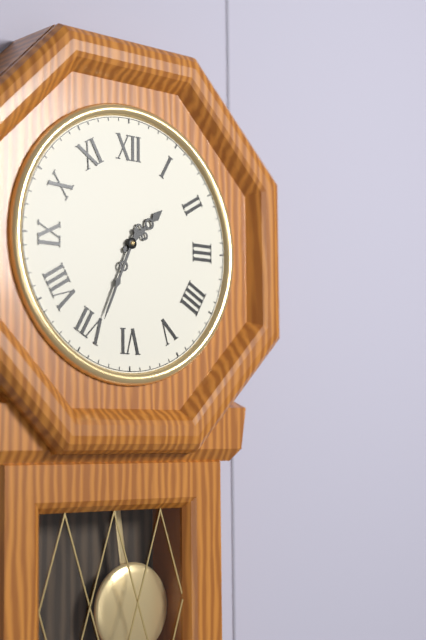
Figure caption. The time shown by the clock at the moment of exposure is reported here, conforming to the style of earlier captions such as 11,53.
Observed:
1,34
